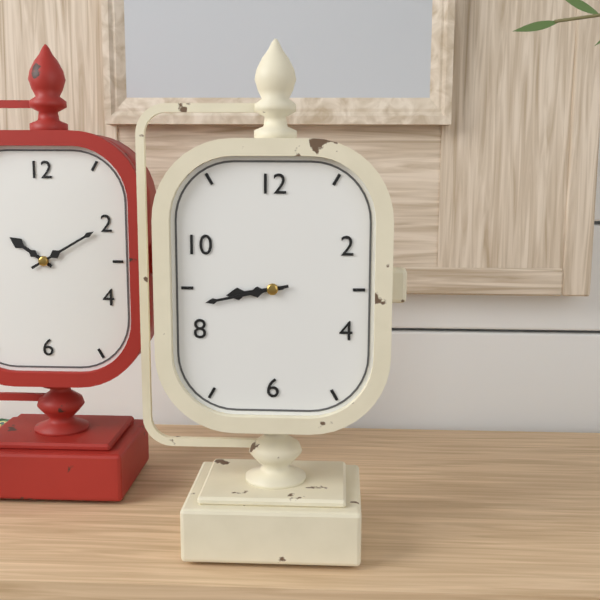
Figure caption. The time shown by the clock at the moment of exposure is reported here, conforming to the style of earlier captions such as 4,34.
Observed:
8,43
